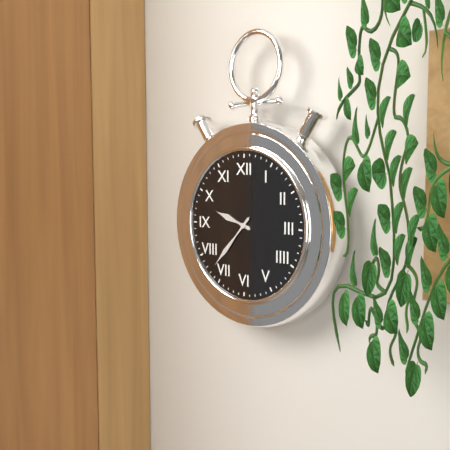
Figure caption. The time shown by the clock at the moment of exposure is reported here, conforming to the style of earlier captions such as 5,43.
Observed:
9,37
